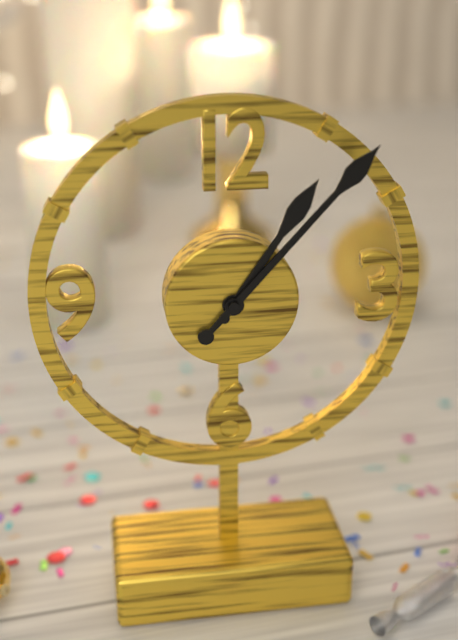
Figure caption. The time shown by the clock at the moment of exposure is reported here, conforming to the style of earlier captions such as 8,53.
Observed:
1,07
